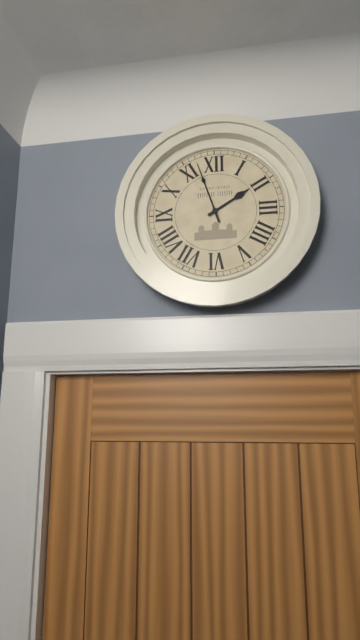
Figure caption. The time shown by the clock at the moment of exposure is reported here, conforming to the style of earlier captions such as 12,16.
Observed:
1,57
